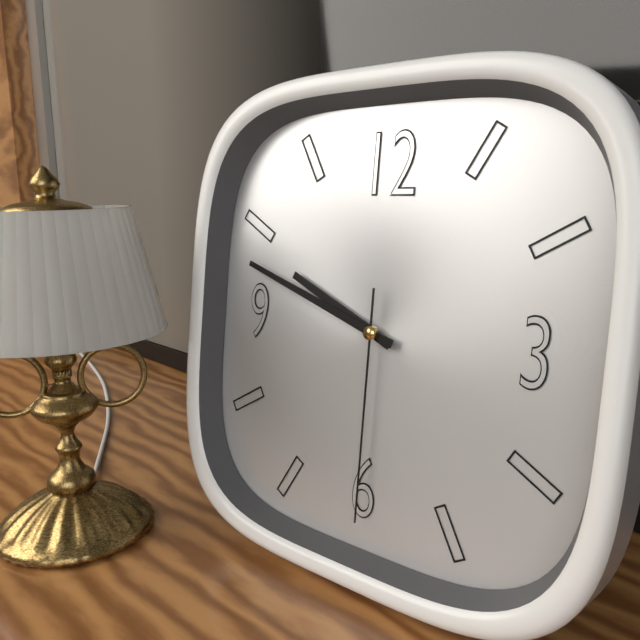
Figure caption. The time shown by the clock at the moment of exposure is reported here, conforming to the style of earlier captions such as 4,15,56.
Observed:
9,48,30
